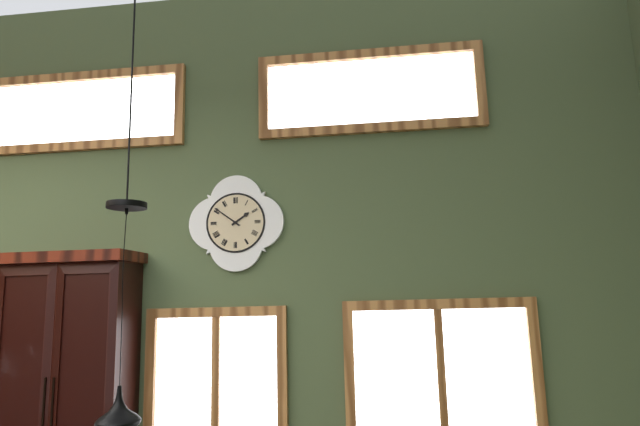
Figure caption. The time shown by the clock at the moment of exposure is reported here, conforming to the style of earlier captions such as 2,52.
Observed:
1,51
